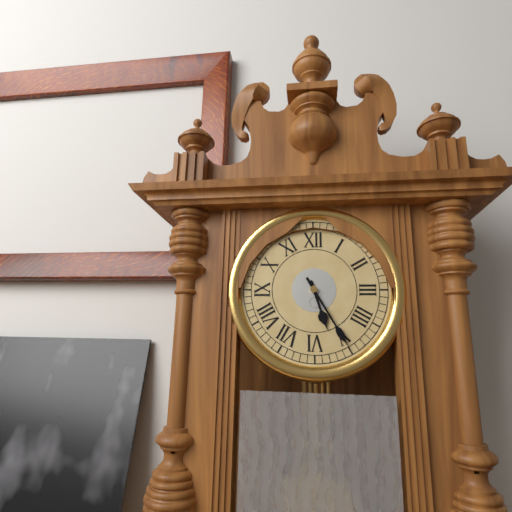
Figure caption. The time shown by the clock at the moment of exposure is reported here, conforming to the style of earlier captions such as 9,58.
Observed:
5,25
